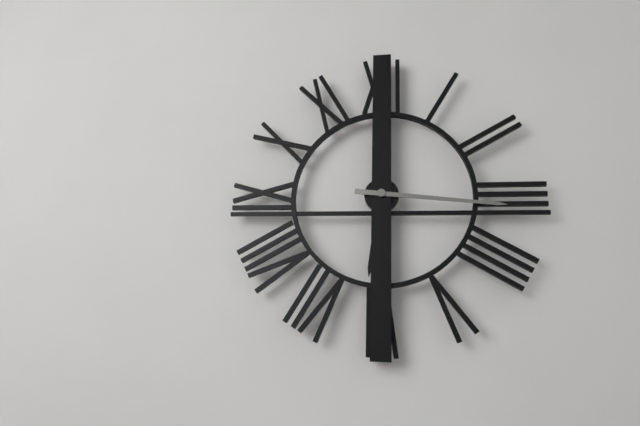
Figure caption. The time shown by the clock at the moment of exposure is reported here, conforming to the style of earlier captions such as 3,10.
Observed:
6,16
